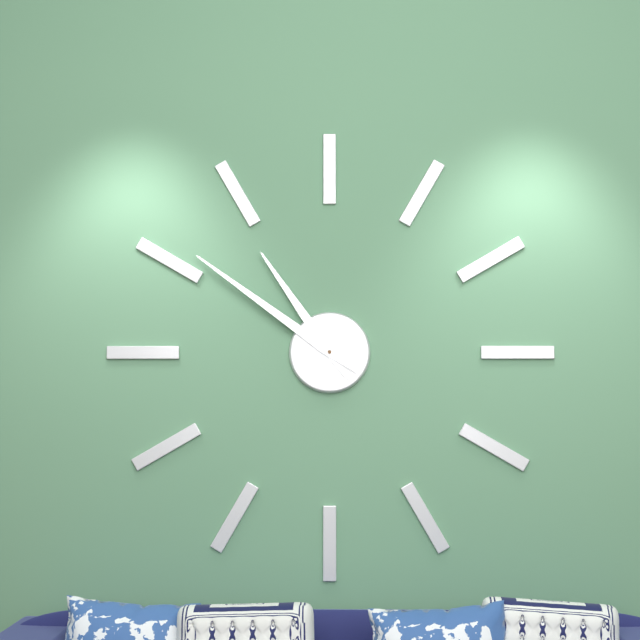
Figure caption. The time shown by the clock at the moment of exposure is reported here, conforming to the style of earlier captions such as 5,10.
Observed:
10,51
